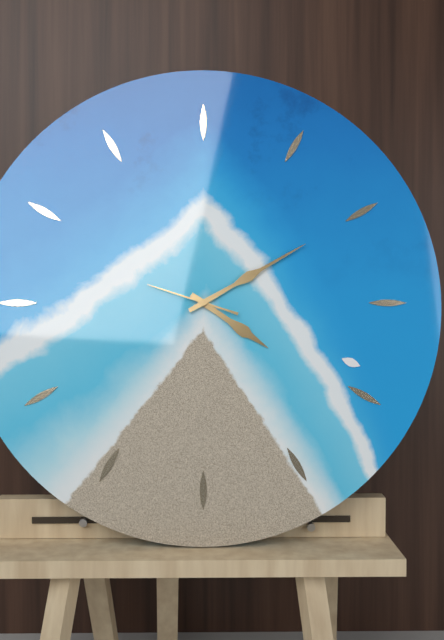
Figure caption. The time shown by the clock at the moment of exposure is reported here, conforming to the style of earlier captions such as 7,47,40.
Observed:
4,10,48
